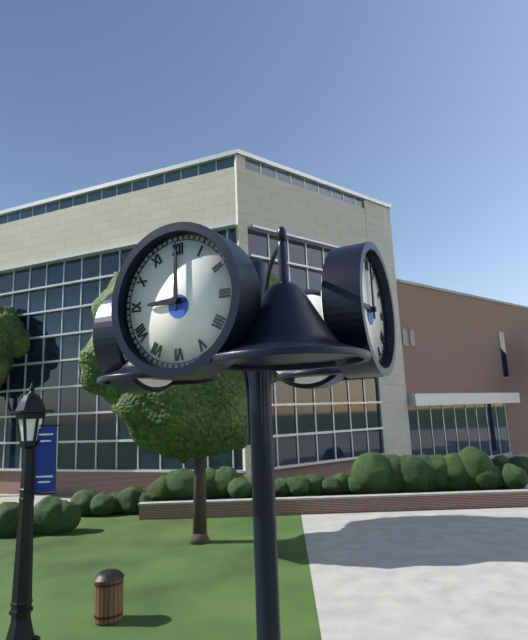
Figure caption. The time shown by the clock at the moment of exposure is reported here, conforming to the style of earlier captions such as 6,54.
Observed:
9,00
